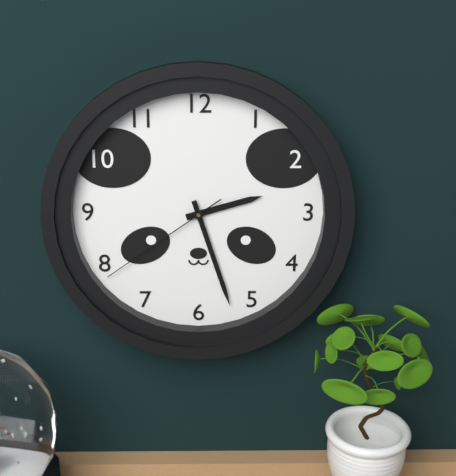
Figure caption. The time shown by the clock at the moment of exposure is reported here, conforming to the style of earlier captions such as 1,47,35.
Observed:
2,27,39
